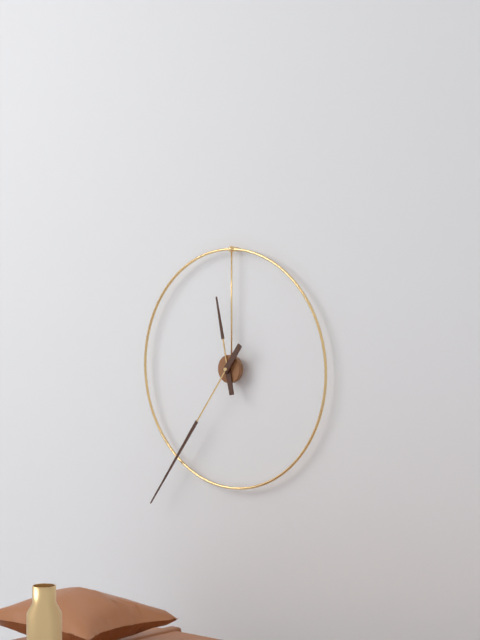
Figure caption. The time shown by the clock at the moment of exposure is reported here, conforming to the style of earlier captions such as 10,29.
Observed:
11,36
